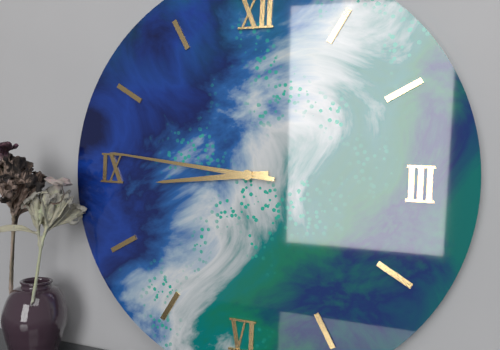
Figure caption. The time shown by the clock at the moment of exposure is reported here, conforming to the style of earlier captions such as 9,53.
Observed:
8,46
